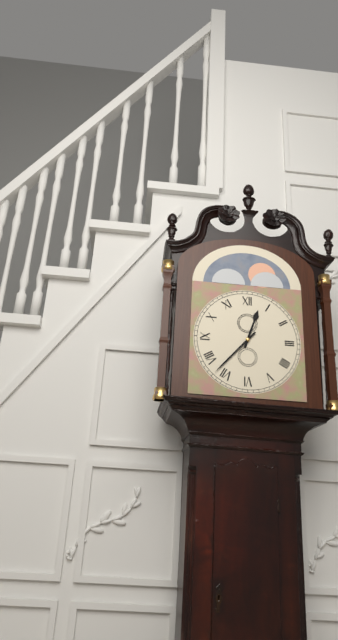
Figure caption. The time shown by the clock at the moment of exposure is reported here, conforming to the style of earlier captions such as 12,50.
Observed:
12,37
